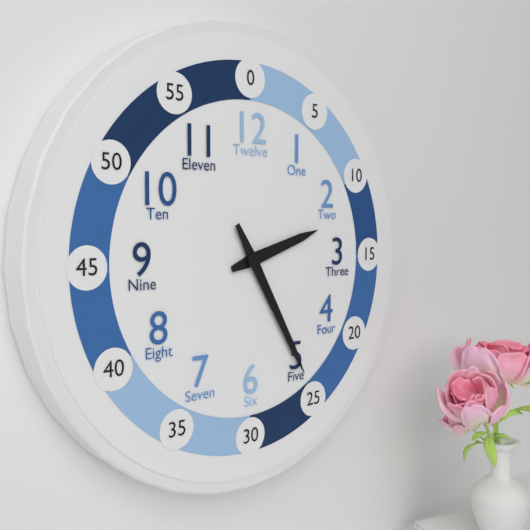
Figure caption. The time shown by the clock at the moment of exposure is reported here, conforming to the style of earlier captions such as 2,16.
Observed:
2,25
